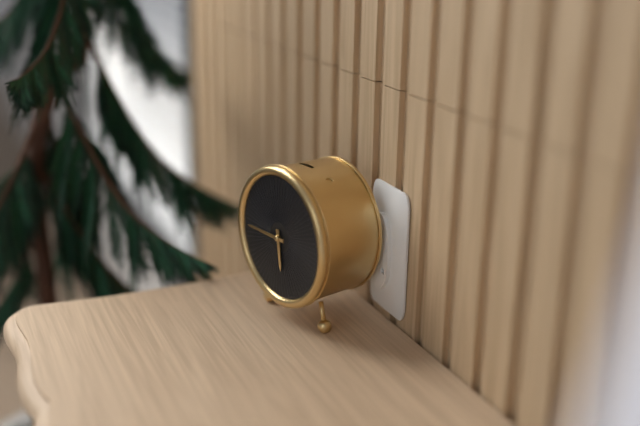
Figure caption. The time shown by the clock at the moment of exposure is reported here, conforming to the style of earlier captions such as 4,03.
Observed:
5,45
